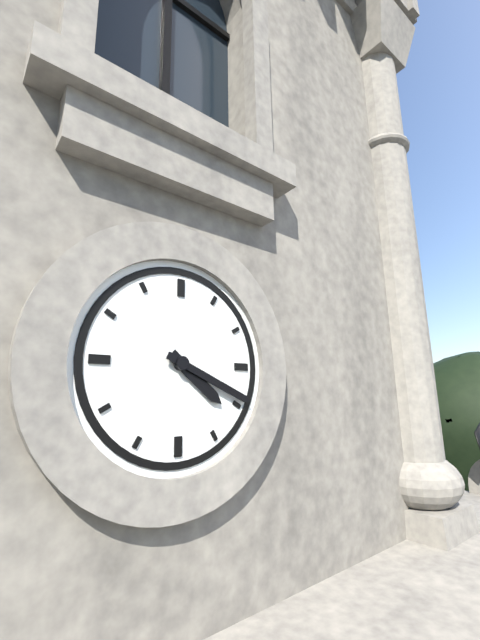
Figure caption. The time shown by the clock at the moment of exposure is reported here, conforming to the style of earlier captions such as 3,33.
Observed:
4,19
